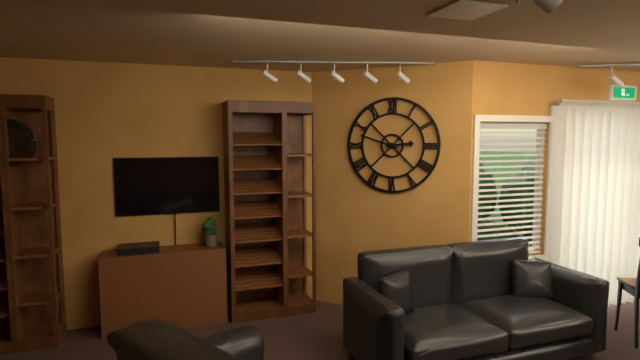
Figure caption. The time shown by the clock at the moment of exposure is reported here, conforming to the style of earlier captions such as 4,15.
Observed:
2,48
